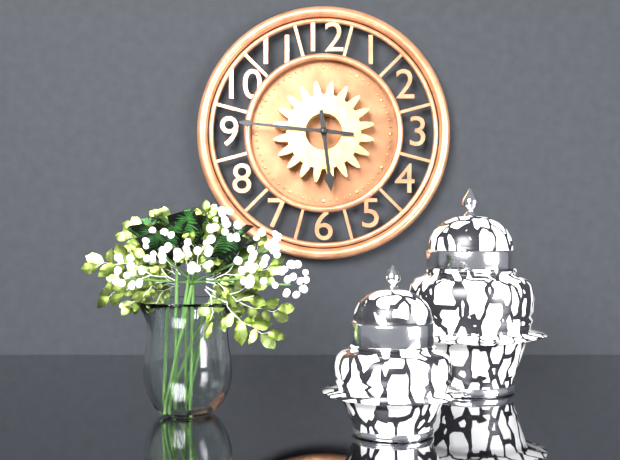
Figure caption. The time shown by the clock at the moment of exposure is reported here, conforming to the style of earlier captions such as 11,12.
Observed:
5,46
